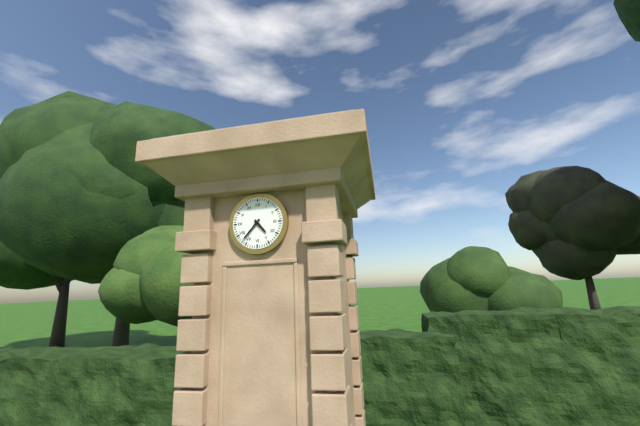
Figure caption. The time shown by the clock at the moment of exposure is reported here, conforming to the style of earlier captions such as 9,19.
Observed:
4,37
